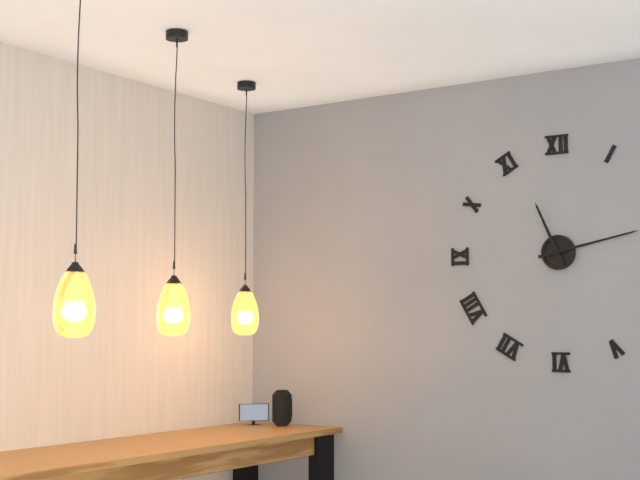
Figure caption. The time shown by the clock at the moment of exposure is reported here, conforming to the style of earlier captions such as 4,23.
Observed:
11,13
